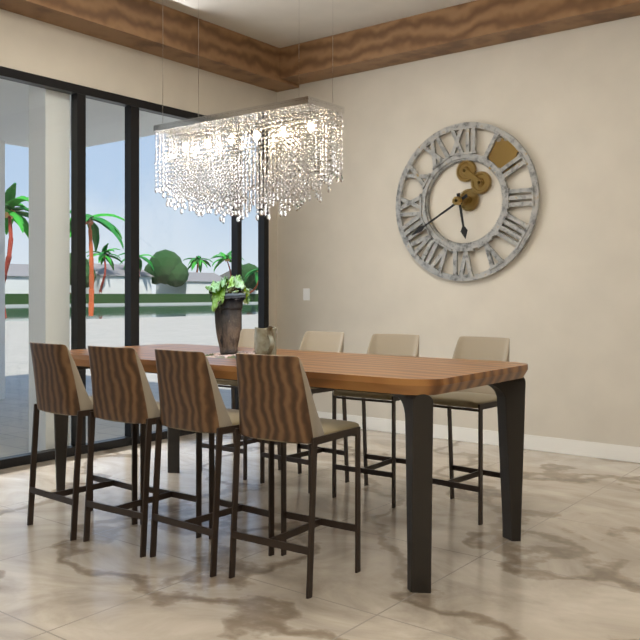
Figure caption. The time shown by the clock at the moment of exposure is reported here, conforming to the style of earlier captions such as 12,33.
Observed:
5,40
